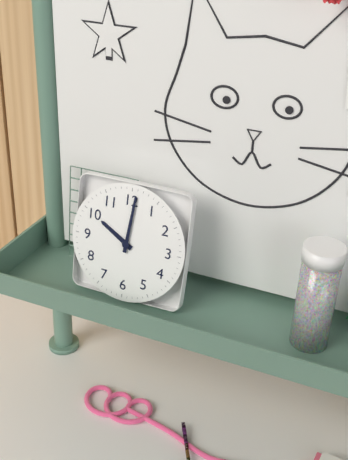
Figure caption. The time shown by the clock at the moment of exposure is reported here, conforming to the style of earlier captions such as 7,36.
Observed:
10,01
